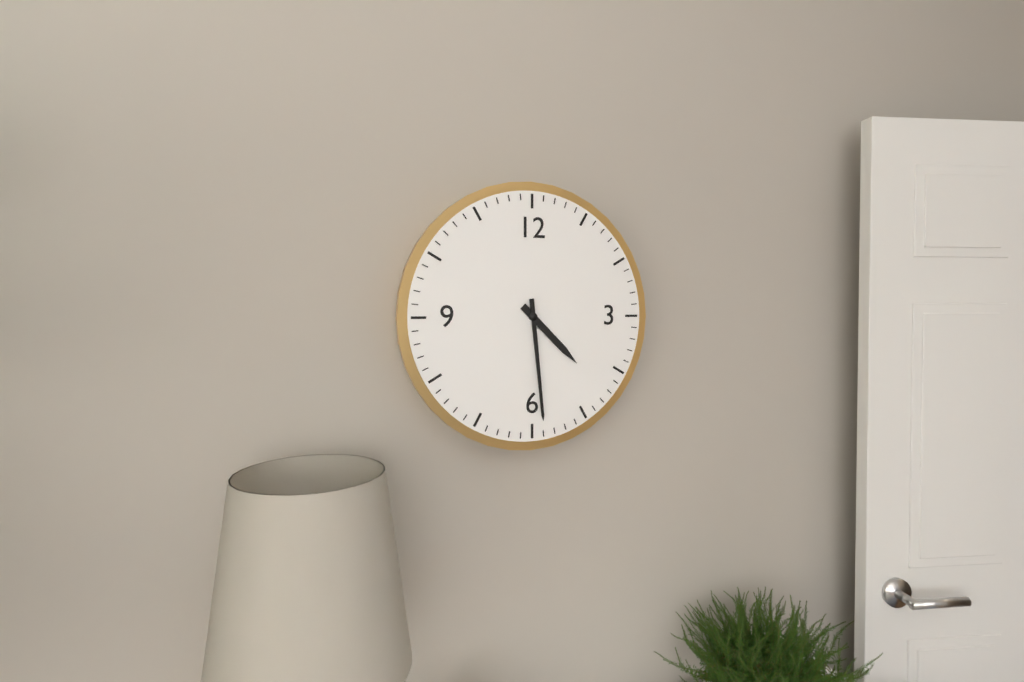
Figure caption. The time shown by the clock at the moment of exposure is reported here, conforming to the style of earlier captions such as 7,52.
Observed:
4,29
